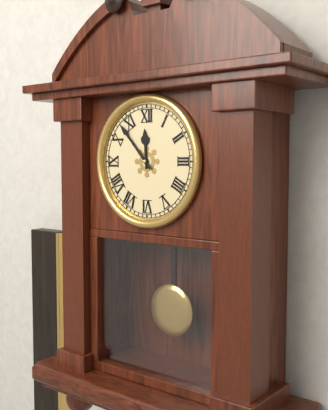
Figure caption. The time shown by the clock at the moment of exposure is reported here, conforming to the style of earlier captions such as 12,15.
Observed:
11,53
